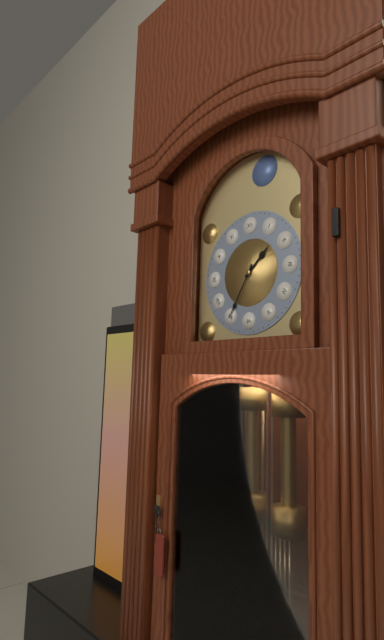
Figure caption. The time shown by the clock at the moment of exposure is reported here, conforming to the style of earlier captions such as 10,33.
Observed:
1,35
